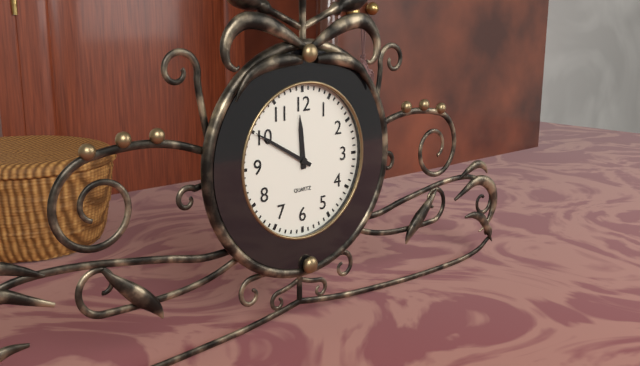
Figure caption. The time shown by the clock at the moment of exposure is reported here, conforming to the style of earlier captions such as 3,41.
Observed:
11,50
